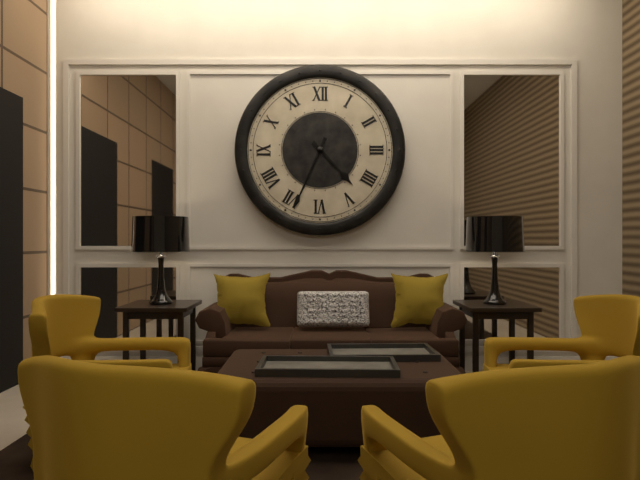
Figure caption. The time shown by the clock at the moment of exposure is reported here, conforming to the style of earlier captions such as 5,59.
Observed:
4,34
